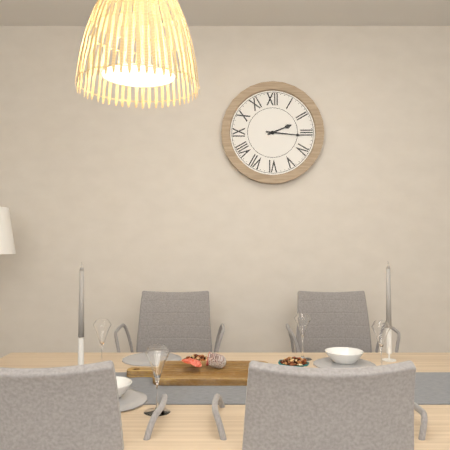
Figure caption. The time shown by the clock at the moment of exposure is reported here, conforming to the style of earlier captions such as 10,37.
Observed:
2,16
